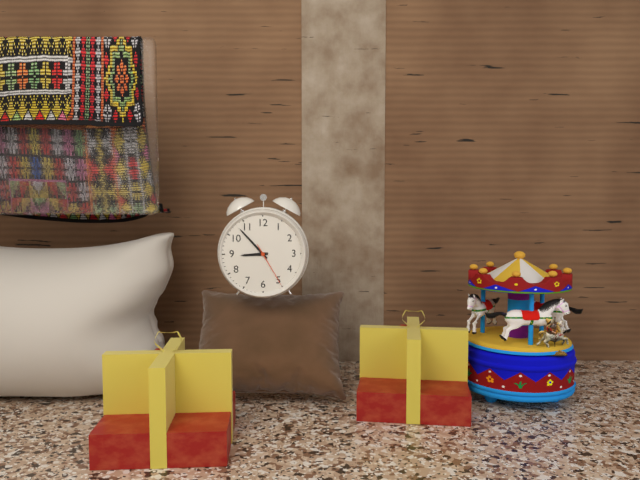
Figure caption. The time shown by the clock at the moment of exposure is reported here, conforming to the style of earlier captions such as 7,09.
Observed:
8,53
